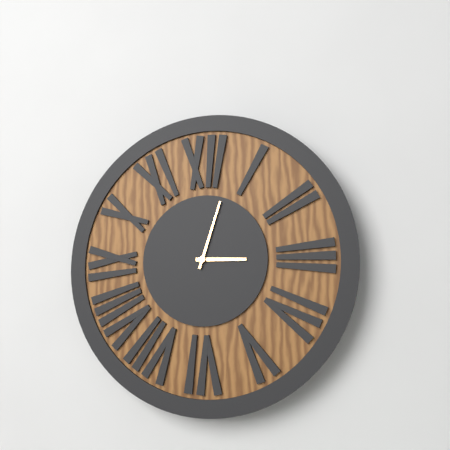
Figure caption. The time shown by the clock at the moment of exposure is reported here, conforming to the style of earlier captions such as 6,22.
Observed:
3,03
